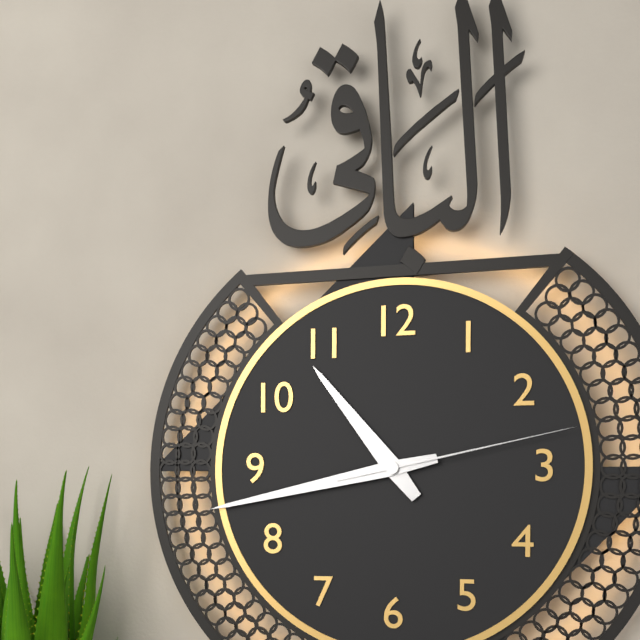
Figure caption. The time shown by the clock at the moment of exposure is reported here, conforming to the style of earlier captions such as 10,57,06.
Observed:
10,43,13
